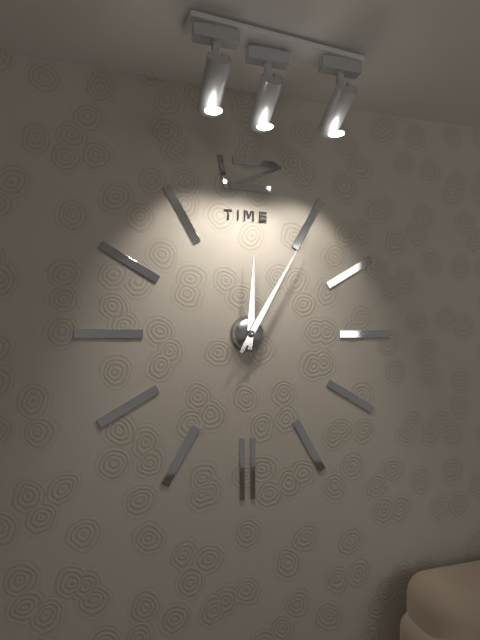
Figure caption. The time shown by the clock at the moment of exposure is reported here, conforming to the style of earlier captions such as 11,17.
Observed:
12,05
